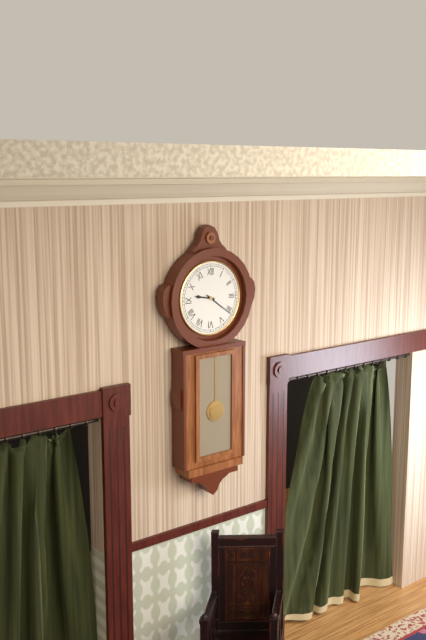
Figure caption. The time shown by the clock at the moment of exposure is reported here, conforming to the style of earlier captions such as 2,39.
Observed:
9,21
